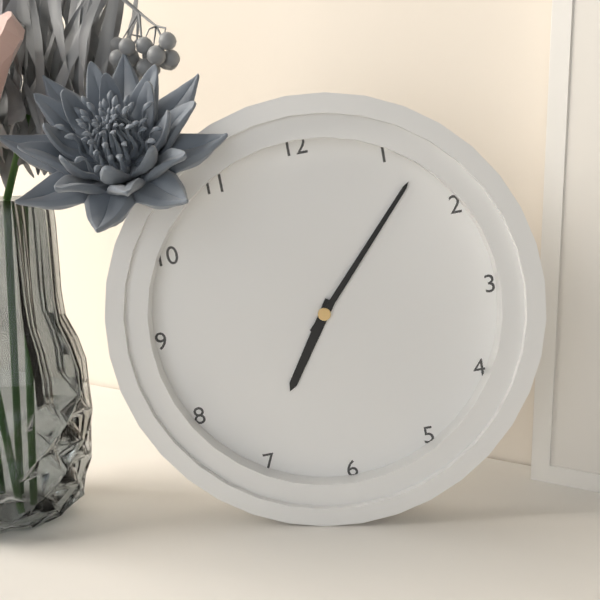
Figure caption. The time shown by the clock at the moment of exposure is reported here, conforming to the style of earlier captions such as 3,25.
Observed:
7,07
